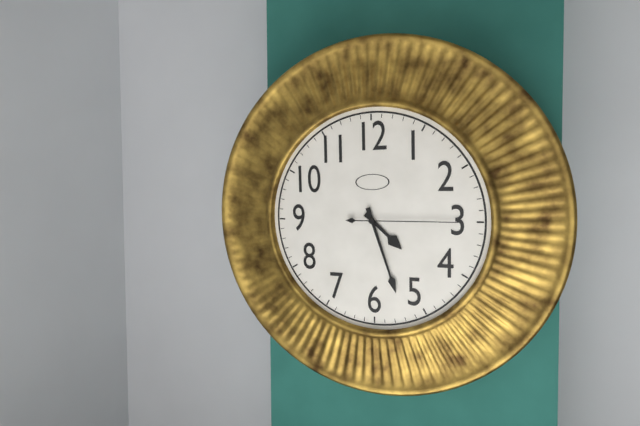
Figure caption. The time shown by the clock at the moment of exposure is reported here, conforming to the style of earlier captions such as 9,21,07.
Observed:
4,27,15
